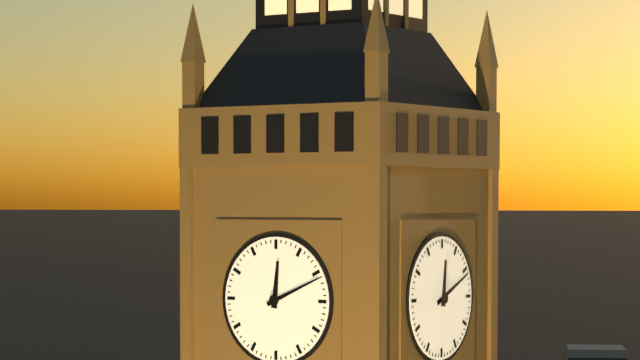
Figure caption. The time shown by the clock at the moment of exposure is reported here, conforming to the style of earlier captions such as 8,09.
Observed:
12,11
